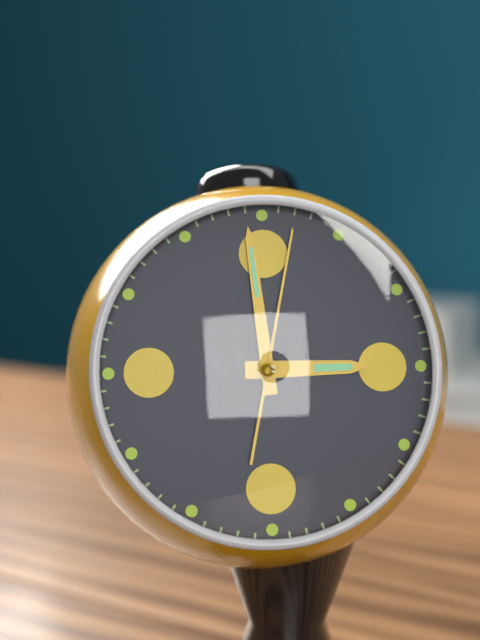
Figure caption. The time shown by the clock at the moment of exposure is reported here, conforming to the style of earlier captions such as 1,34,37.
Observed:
2,59,02
